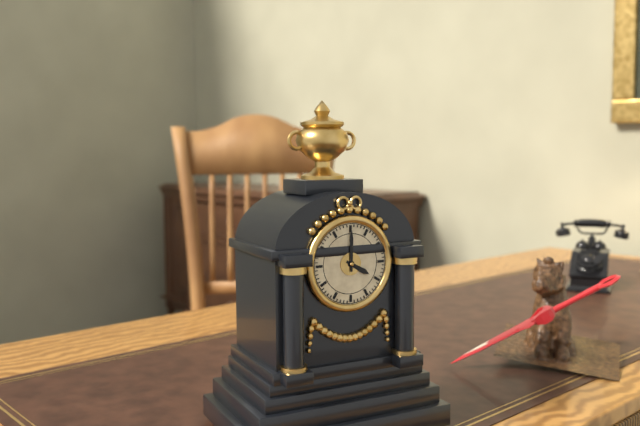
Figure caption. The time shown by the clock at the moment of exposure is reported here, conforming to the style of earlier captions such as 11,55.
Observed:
4,00
